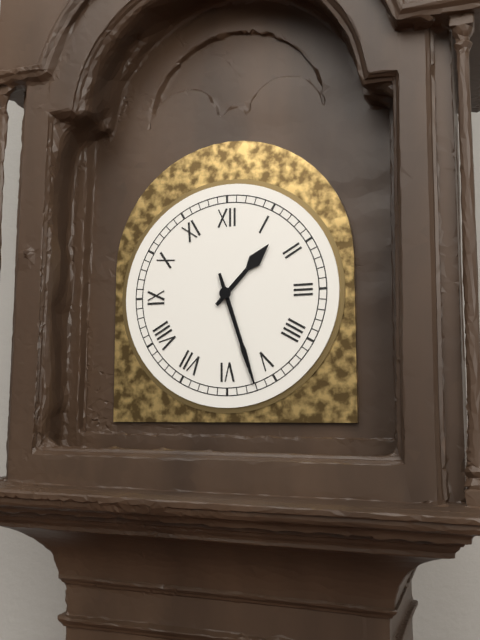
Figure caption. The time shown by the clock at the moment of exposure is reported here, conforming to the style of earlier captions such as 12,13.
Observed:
1,27
